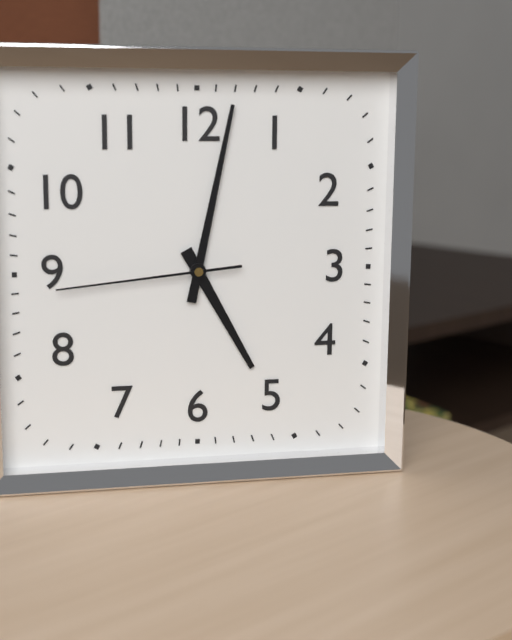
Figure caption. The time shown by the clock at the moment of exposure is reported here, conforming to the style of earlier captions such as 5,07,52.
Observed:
5,02,44
